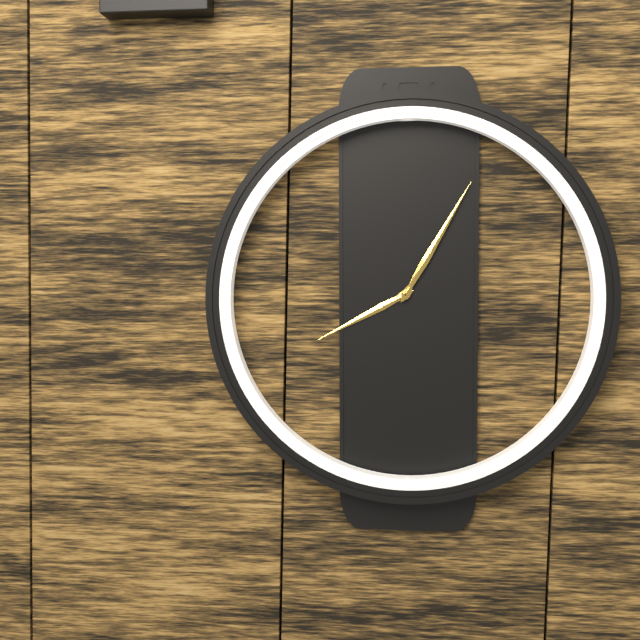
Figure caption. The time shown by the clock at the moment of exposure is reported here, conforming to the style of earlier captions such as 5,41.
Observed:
8,05
